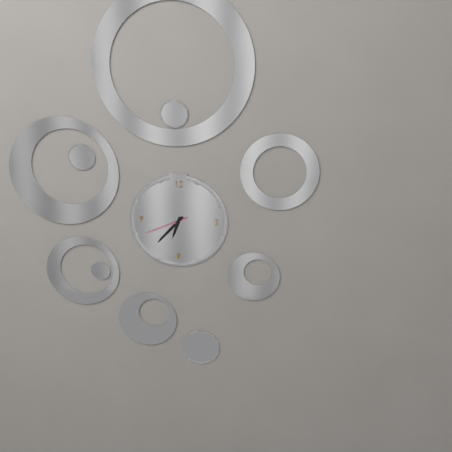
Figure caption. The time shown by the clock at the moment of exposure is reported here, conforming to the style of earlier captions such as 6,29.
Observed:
6,37
